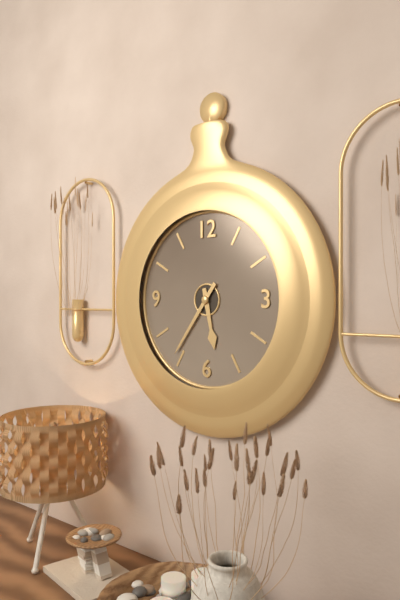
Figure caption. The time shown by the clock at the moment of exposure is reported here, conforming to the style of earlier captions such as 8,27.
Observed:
5,36
